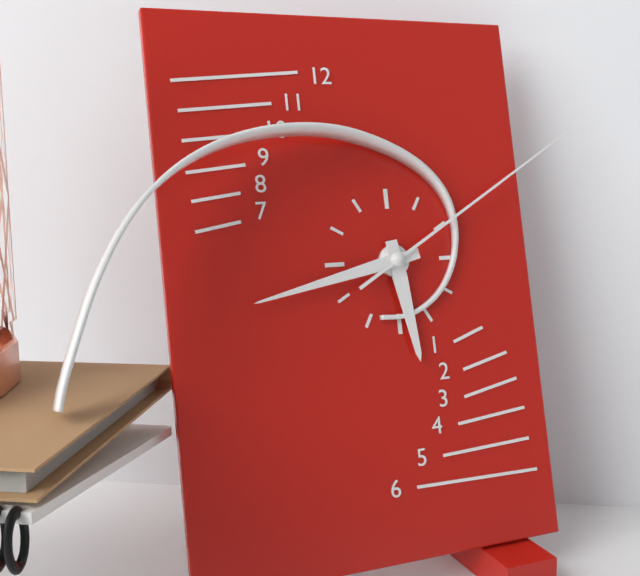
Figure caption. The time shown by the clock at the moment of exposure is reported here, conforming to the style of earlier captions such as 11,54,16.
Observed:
5,43,10
